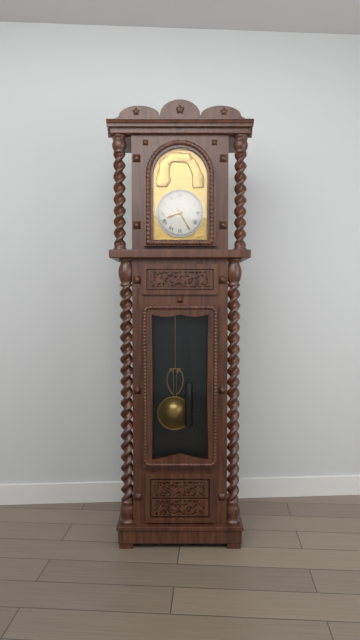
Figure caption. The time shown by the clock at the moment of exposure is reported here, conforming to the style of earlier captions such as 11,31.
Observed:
8,25
